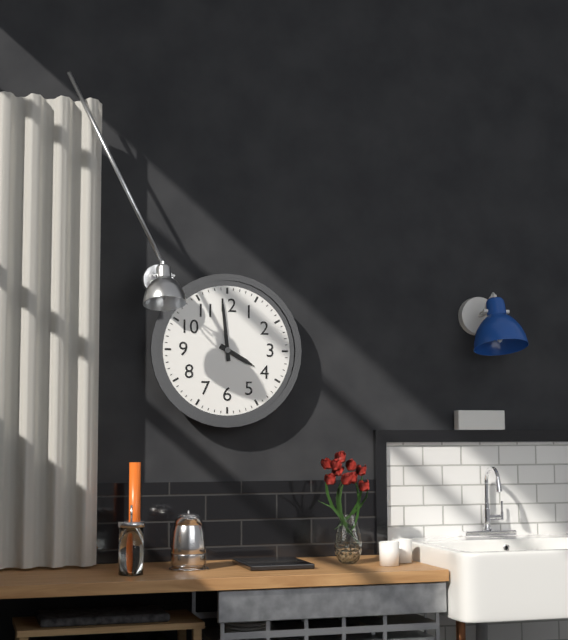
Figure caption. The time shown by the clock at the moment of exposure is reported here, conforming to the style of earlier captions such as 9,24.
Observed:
3,59
